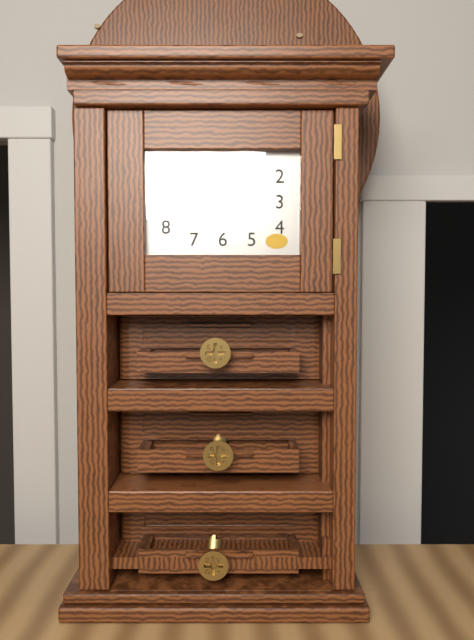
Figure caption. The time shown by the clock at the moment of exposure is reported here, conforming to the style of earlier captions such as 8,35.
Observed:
2,13
